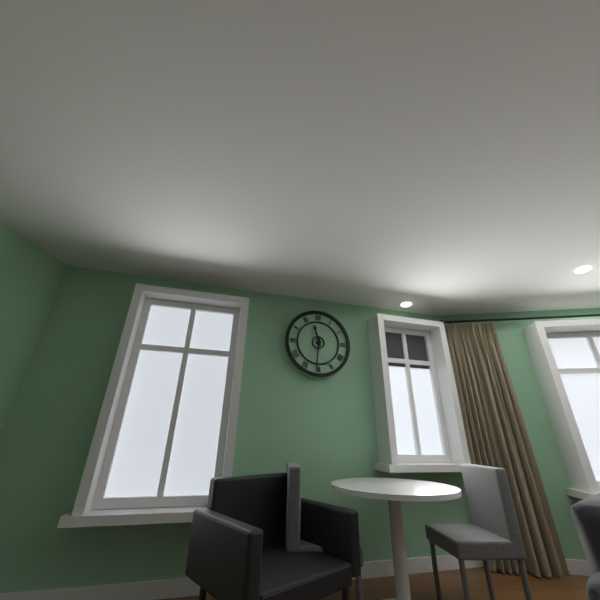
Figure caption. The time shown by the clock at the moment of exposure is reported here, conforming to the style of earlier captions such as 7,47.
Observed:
11,31
